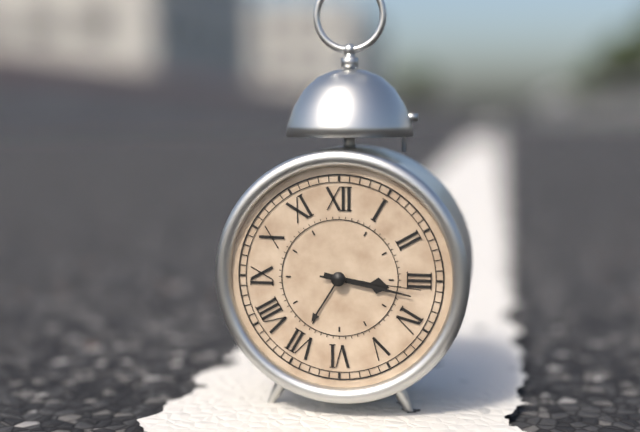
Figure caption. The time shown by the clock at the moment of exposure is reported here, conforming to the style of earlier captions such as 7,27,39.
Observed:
3,17,16
